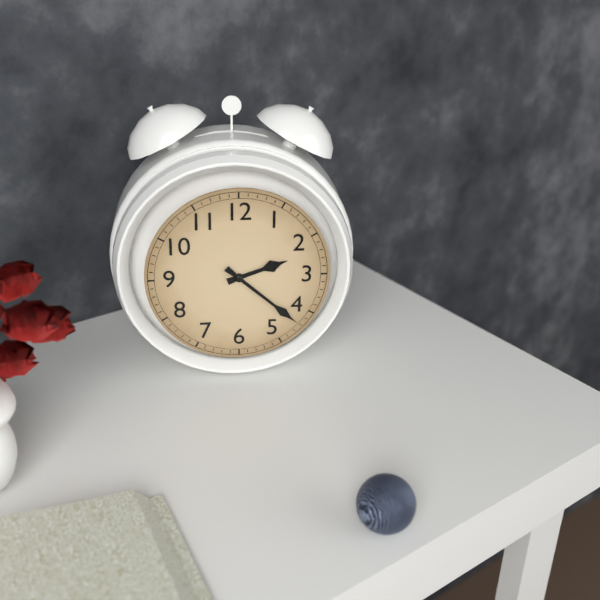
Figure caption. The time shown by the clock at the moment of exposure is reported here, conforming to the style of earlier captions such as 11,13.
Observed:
2,22
